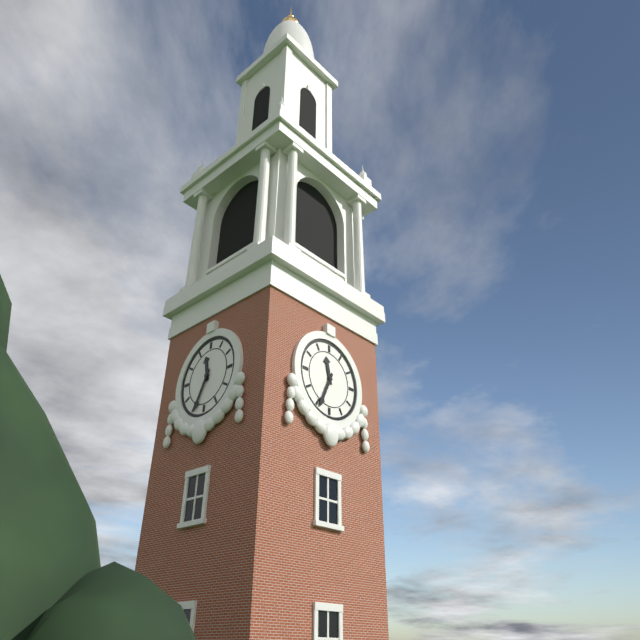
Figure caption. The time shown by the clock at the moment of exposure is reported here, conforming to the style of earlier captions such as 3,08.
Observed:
11,34
